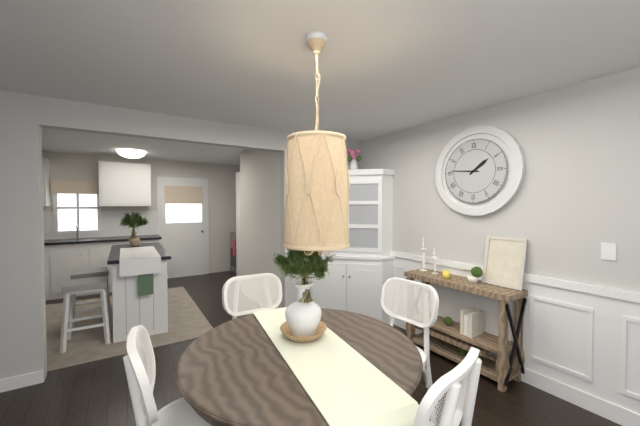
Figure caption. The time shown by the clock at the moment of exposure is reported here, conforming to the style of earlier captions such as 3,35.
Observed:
1,46
